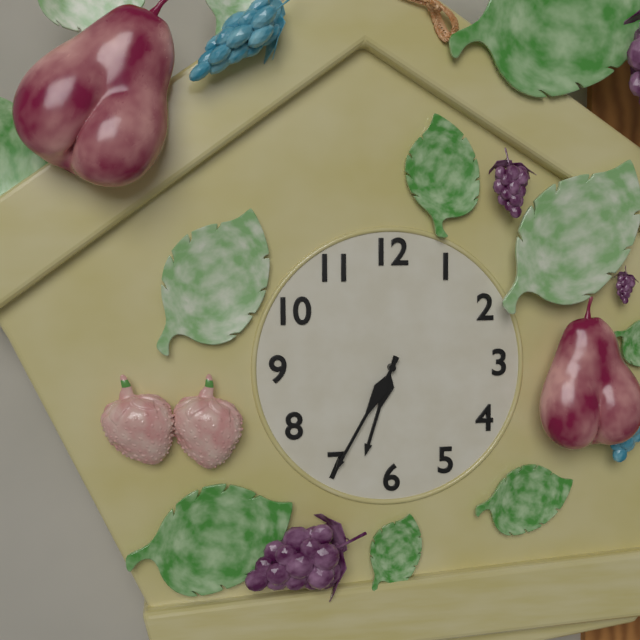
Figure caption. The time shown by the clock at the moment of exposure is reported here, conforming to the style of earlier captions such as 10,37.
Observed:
6,35
